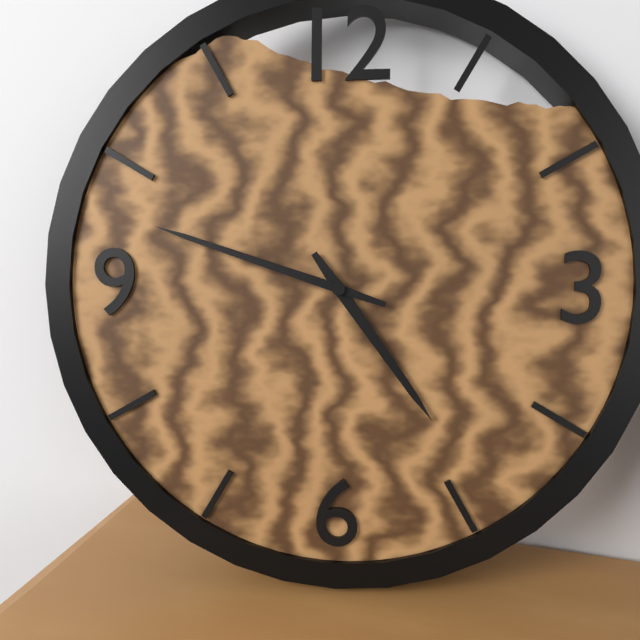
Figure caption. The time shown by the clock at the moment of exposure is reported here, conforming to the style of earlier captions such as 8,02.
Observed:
4,48
